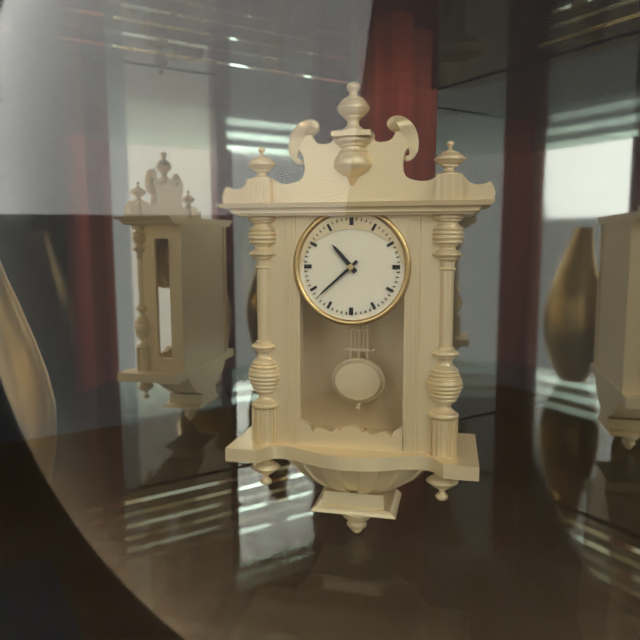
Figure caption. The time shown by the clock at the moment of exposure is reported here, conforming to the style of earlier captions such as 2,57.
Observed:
10,38
